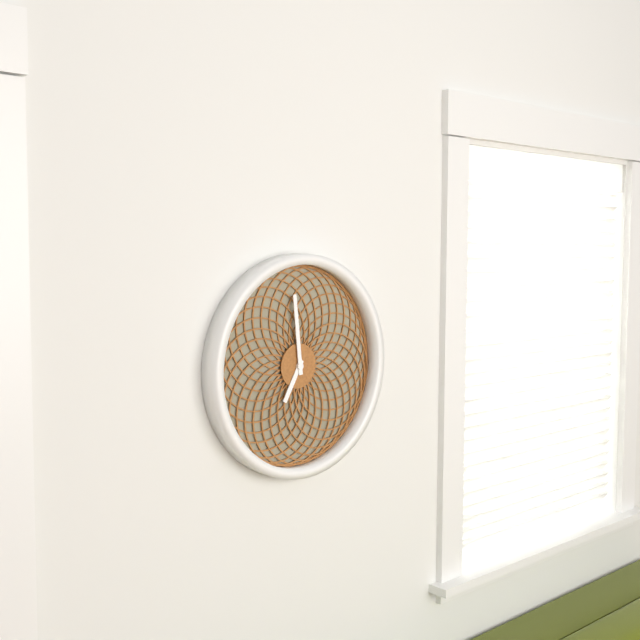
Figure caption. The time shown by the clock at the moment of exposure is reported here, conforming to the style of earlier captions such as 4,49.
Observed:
6,59
